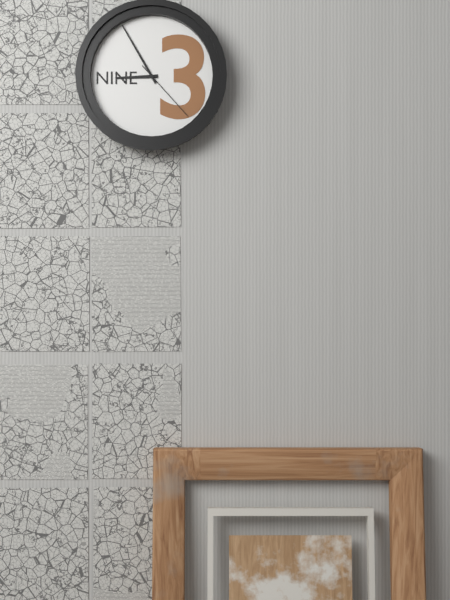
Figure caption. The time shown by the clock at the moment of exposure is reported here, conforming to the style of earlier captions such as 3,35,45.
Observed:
8,55,23
